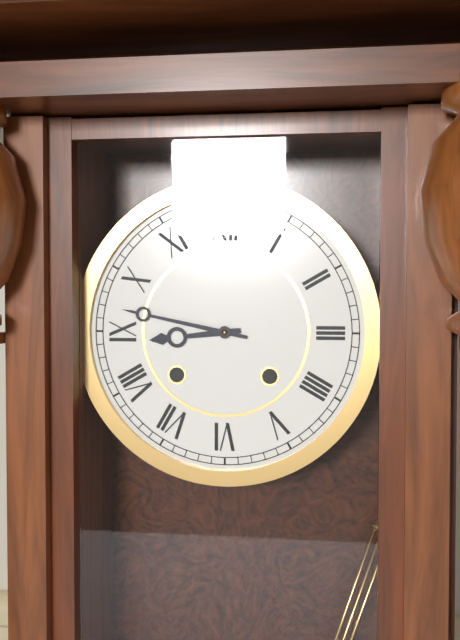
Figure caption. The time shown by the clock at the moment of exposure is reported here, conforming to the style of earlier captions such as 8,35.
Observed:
8,47
